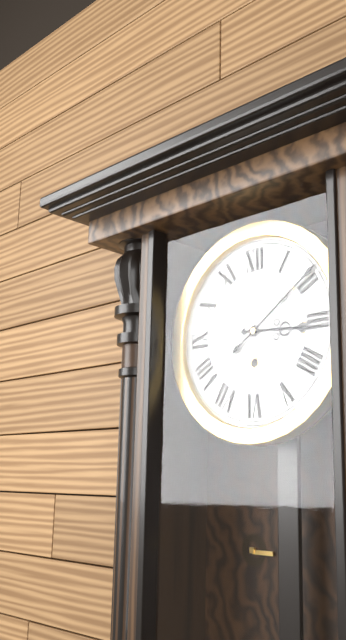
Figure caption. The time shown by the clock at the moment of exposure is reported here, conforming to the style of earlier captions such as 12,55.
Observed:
3,09
